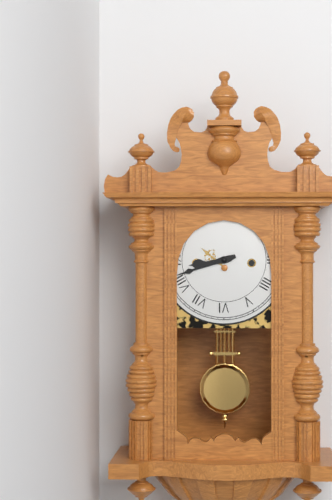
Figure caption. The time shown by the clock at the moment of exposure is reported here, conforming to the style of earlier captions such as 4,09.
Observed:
8,42
